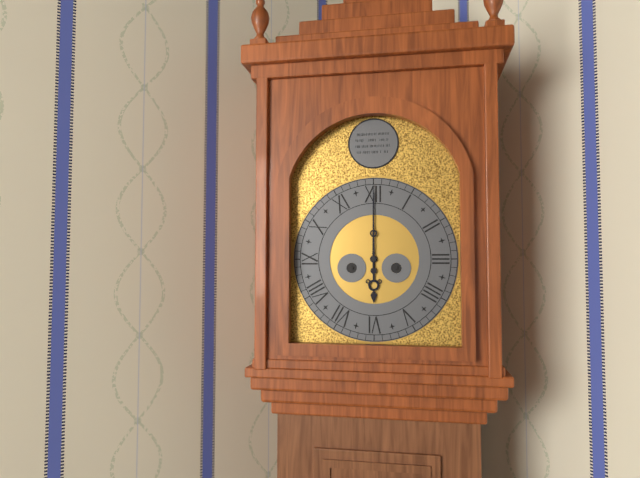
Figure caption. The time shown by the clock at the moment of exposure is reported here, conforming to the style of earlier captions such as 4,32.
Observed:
6,00
